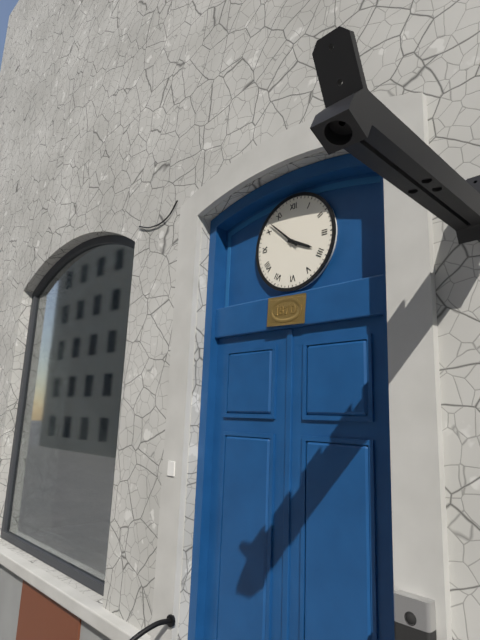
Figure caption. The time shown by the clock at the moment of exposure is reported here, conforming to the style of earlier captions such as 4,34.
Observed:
3,52
